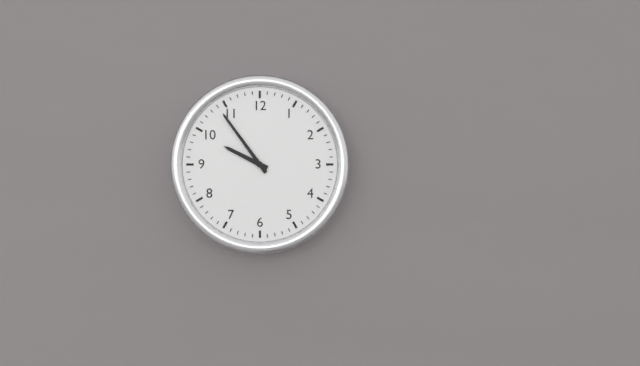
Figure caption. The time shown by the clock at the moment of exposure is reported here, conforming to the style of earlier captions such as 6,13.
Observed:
9,54
